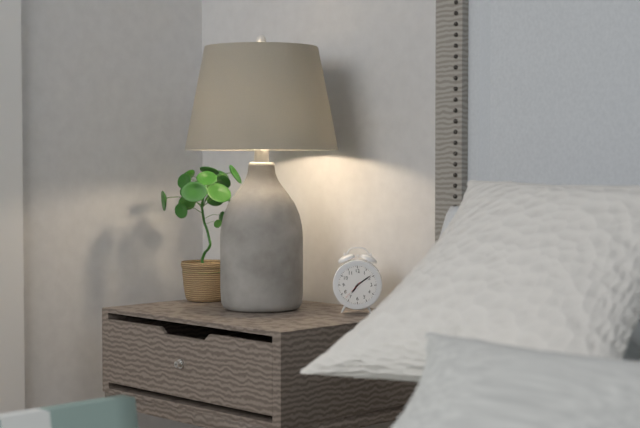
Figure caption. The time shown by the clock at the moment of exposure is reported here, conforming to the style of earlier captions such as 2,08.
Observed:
7,09
